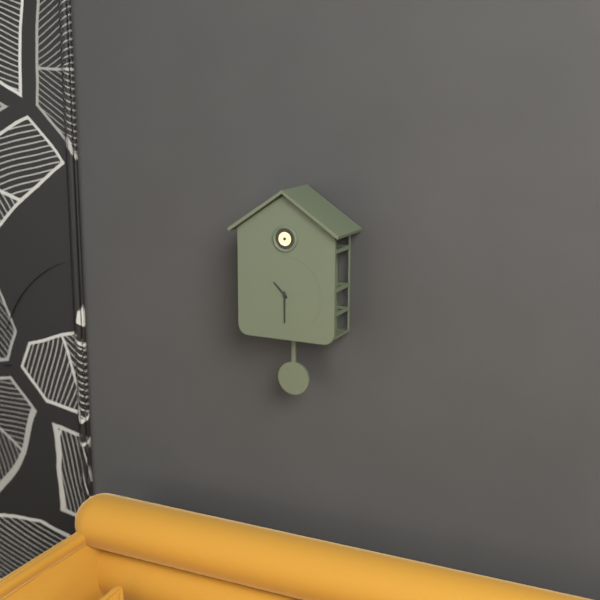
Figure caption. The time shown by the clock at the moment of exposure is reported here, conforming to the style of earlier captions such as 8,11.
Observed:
10,30
